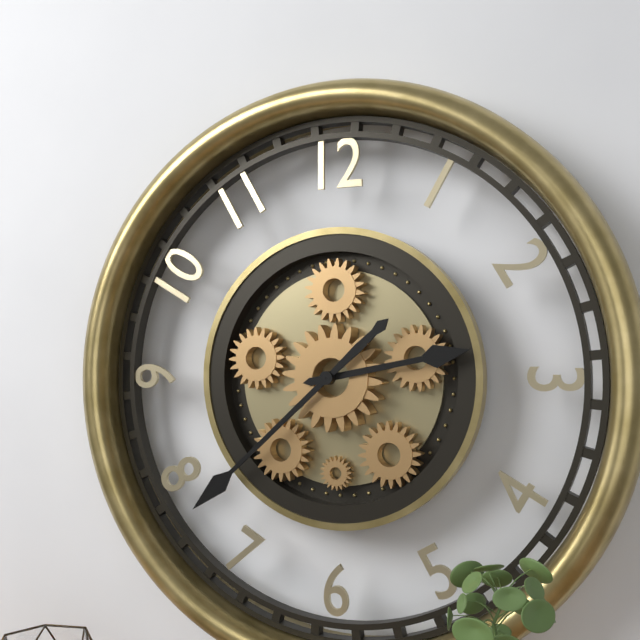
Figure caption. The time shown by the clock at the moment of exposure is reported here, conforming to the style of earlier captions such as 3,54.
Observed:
2,38
